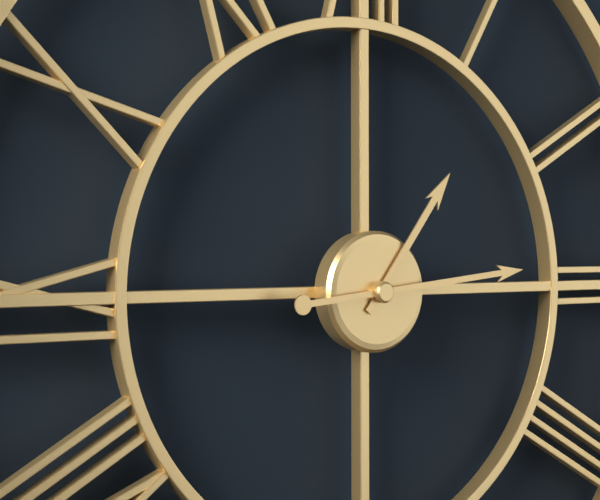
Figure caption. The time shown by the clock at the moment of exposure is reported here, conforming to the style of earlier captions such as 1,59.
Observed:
1,14
